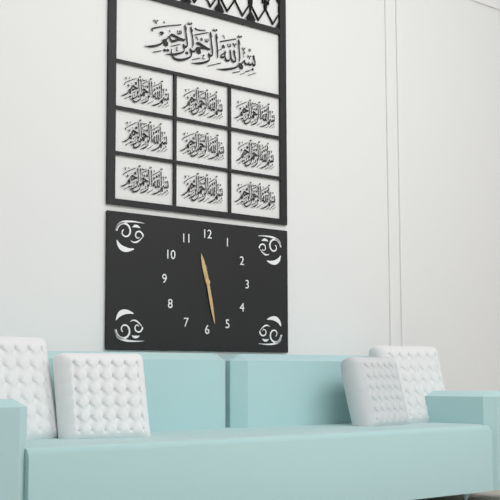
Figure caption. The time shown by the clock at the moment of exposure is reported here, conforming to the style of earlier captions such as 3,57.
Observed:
11,28
